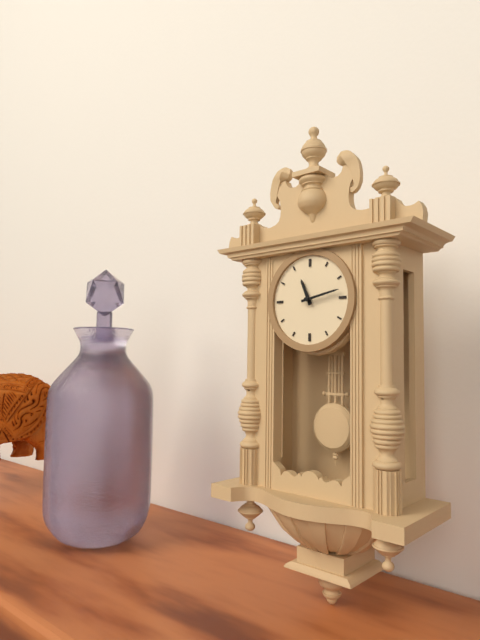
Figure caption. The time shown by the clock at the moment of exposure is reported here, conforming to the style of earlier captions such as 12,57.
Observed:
11,13
